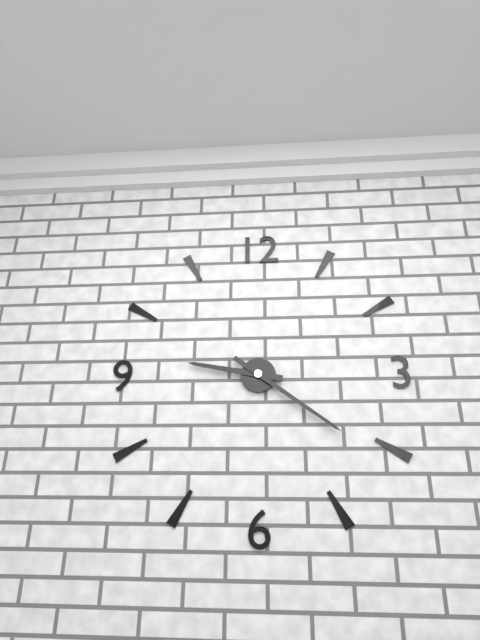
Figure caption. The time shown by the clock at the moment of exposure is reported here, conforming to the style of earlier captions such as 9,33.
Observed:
9,21
